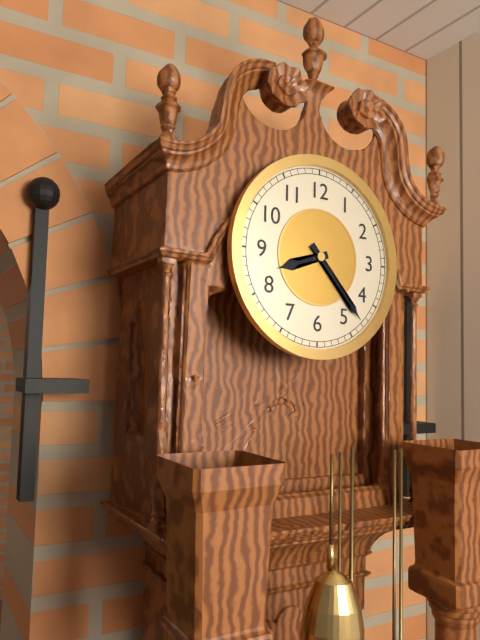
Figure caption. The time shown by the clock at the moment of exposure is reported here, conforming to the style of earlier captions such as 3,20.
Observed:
8,23
